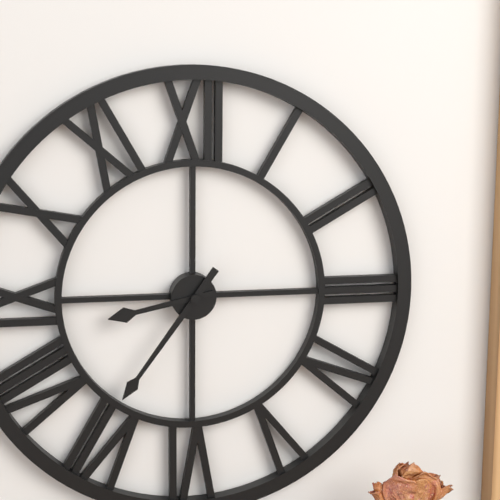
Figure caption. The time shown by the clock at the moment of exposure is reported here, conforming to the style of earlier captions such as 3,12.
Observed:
8,36
